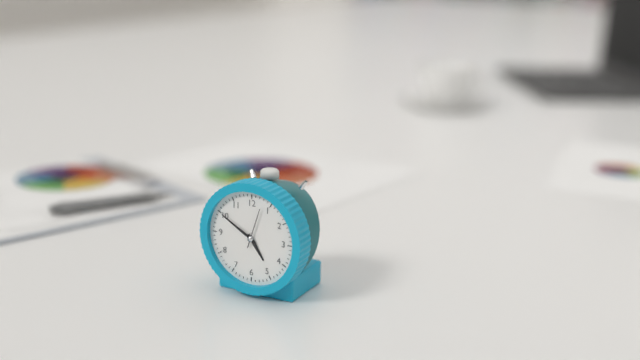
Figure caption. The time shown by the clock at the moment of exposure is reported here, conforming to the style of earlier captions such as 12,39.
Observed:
4,50
